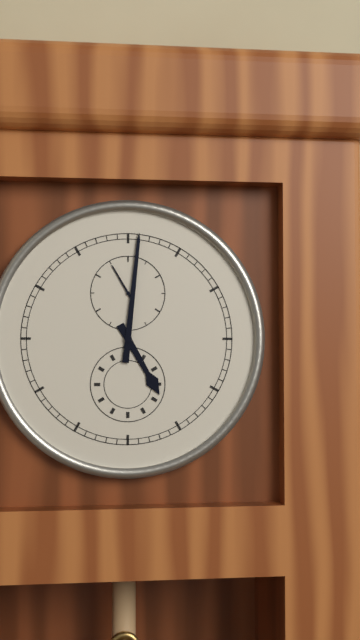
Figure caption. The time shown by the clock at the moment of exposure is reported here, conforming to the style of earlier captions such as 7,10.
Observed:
5,01
